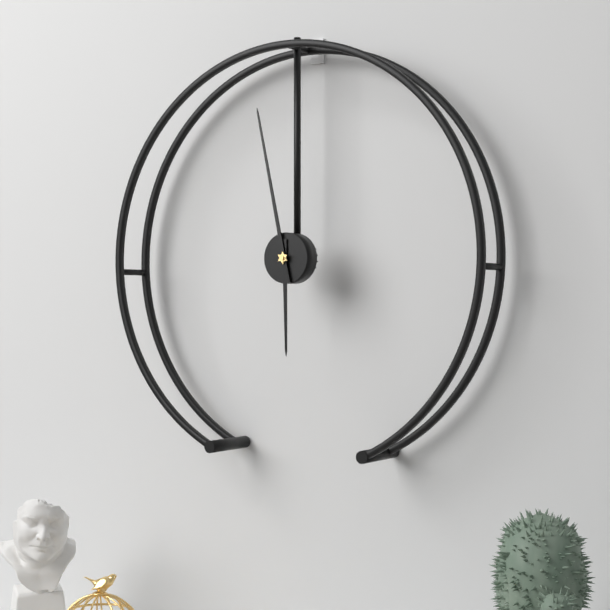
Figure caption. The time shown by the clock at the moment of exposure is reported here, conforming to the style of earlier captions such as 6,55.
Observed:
5,58
